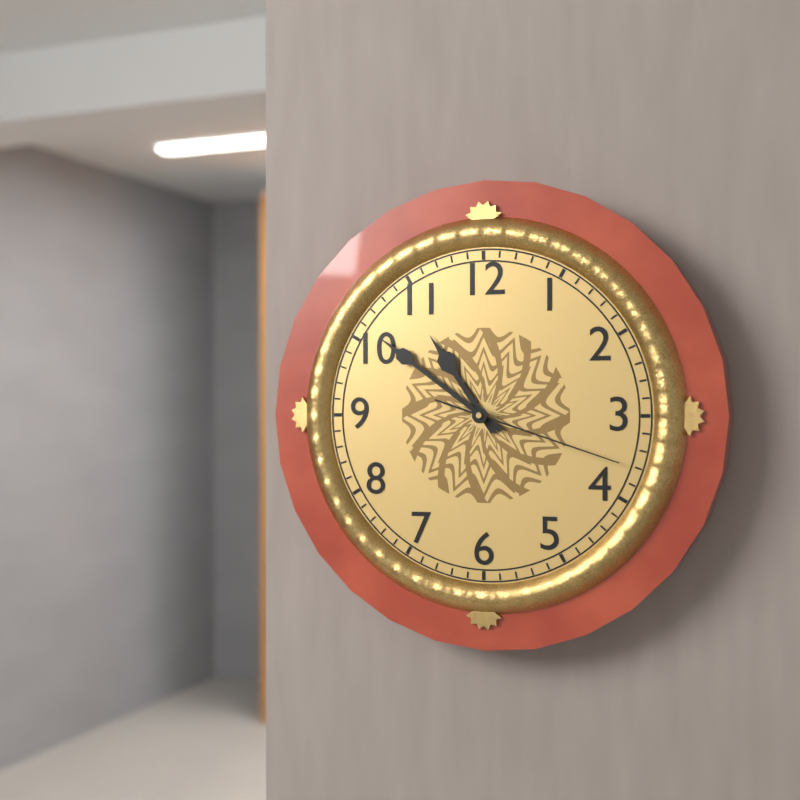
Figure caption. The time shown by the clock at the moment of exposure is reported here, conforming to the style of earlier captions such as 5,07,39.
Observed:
10,51,18
